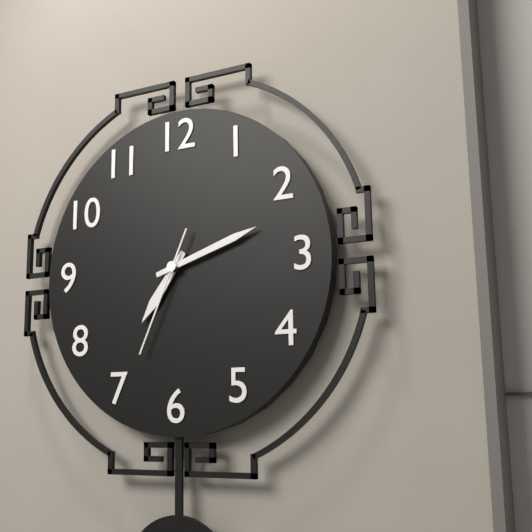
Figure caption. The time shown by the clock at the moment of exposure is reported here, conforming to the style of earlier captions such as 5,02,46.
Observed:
7,12,34
